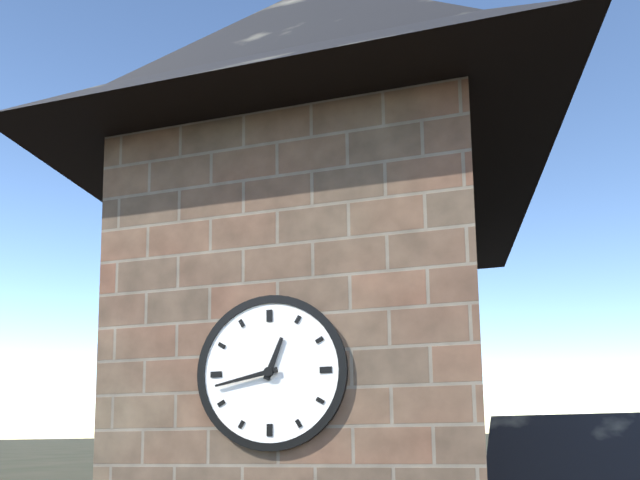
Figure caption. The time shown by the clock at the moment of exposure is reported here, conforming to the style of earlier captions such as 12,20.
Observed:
12,43
